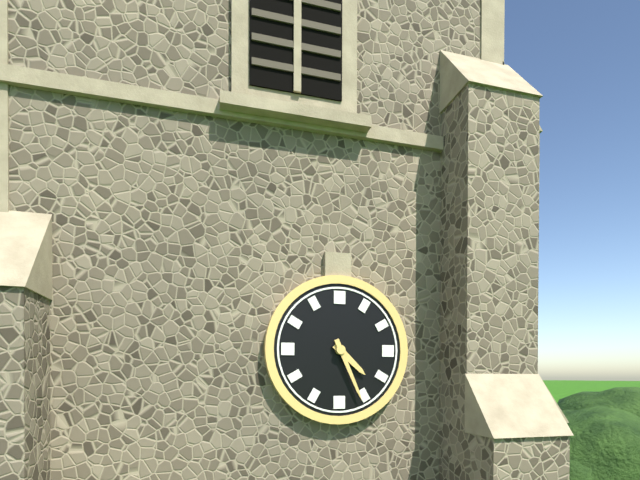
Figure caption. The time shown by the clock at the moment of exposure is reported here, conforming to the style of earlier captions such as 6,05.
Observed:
4,26
